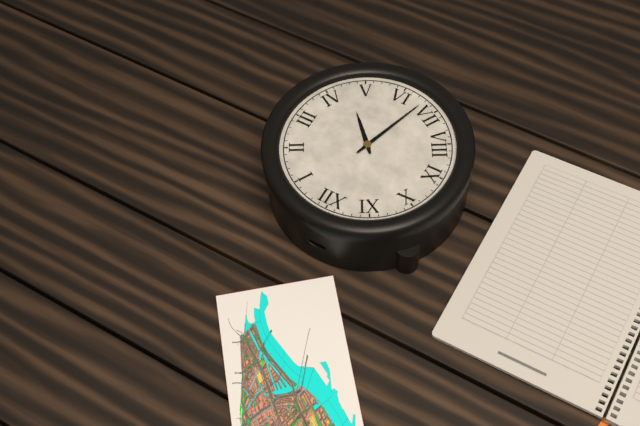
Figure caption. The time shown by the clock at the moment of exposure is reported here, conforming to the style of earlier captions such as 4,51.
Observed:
4,33
